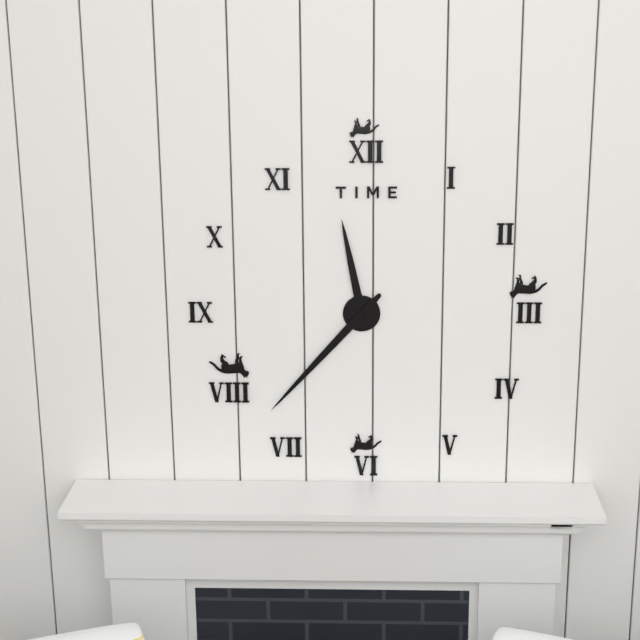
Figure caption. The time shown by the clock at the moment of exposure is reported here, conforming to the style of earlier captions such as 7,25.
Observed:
11,37
